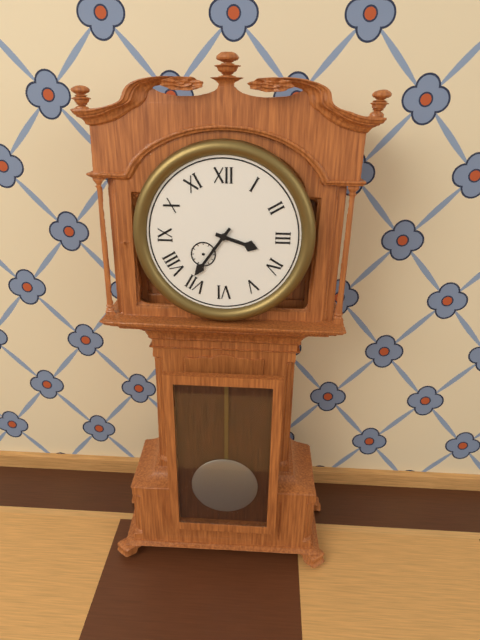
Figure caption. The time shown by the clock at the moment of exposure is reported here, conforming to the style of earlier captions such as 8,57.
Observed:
3,36
